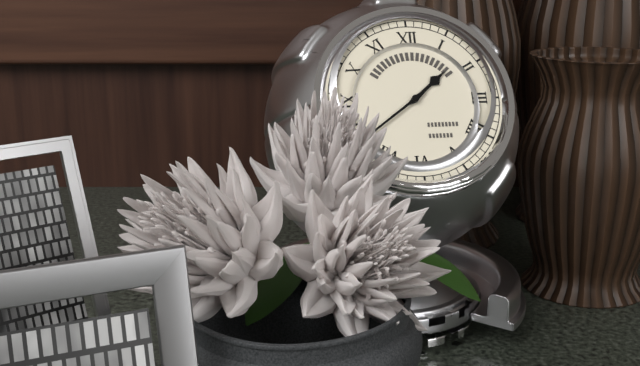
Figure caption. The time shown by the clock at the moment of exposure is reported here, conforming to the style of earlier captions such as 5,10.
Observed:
1,39
